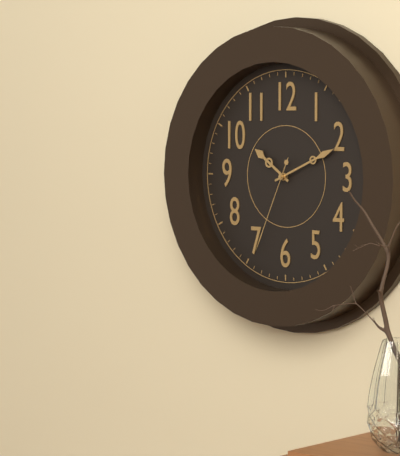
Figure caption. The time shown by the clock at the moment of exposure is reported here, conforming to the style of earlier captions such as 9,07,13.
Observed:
10,11,34
